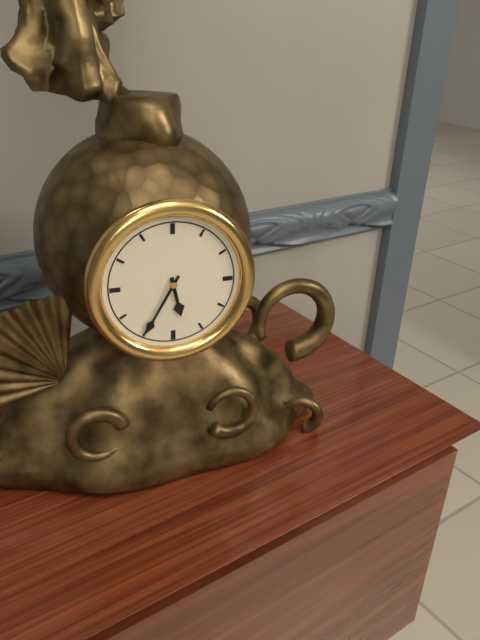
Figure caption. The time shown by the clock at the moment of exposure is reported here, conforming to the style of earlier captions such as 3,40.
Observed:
5,35
